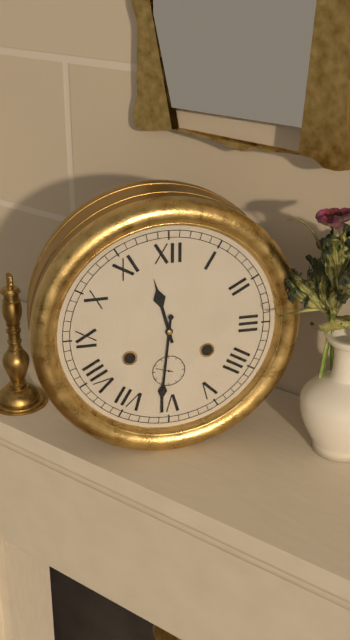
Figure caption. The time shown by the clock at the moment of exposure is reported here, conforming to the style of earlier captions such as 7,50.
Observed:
11,31
